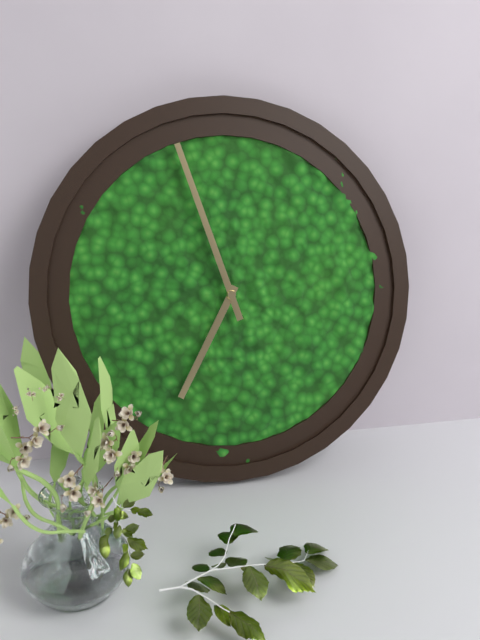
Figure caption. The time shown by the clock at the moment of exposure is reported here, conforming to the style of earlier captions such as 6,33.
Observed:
6,57
